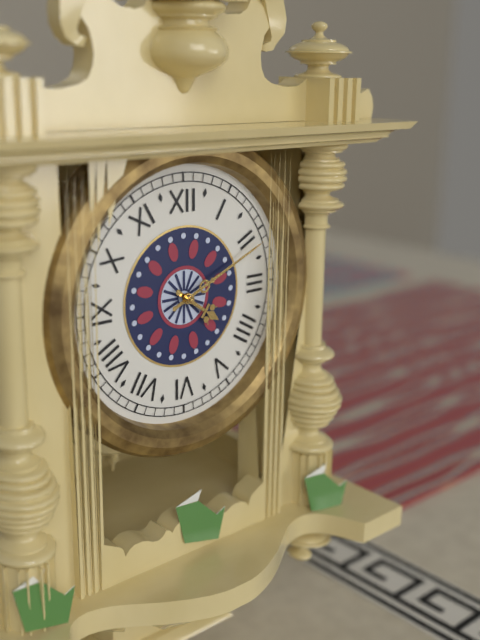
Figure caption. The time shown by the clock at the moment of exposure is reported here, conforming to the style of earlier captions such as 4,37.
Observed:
4,11
